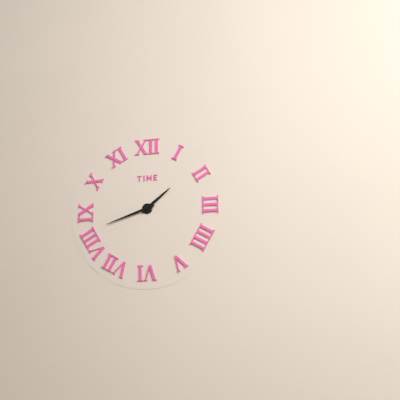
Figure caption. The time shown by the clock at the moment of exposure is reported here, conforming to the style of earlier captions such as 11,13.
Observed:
1,42
